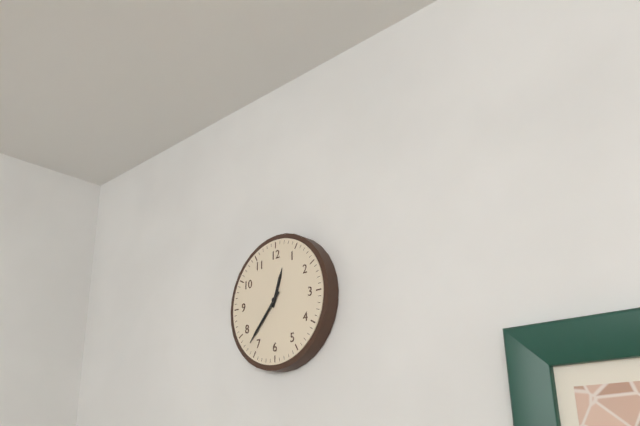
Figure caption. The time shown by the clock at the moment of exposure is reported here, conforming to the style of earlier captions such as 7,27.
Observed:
12,37
